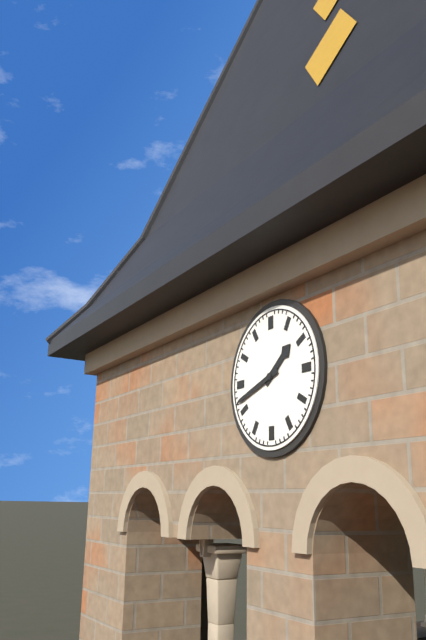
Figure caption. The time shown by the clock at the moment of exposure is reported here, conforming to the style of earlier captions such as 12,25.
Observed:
1,42
